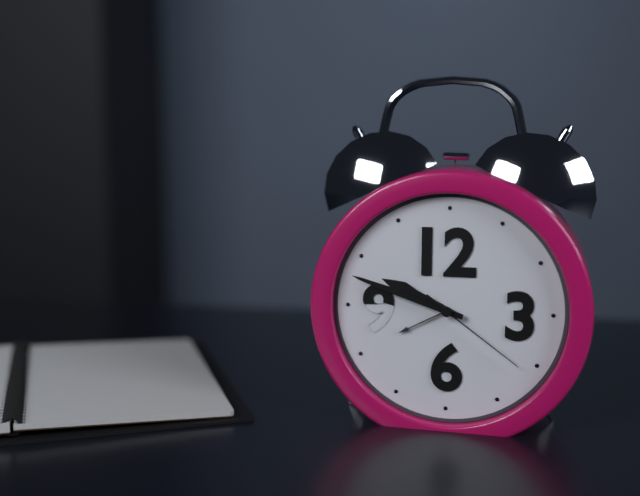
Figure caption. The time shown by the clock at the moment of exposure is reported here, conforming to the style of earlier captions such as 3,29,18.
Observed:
9,48,21
